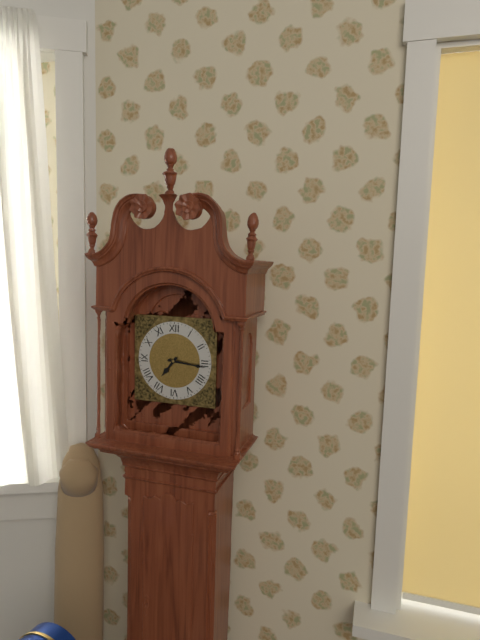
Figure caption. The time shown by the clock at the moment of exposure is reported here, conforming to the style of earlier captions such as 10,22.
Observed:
7,16
